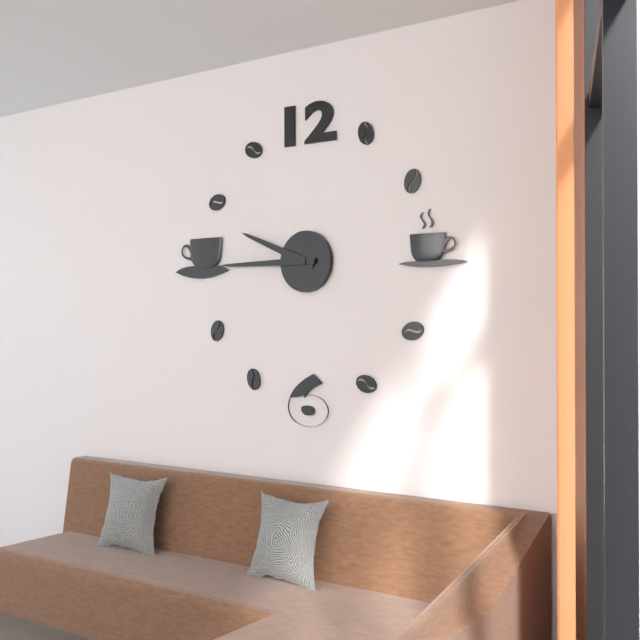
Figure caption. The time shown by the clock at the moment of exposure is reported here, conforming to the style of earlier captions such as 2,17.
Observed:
9,45
